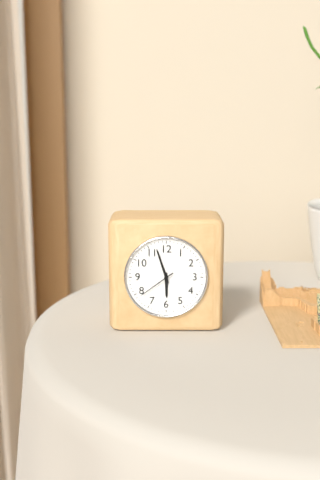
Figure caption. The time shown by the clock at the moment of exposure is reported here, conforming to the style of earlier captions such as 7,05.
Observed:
5,57
